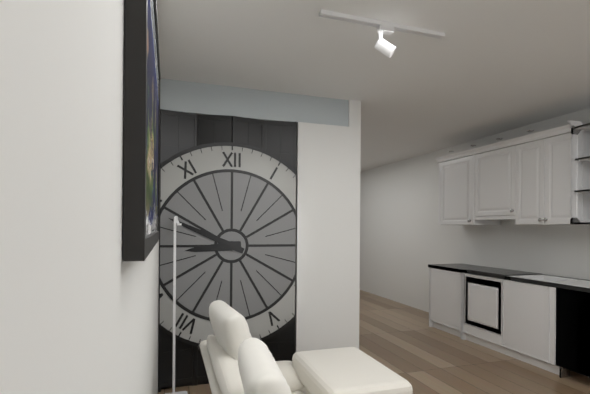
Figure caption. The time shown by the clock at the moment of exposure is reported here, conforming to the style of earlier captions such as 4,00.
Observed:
8,49
